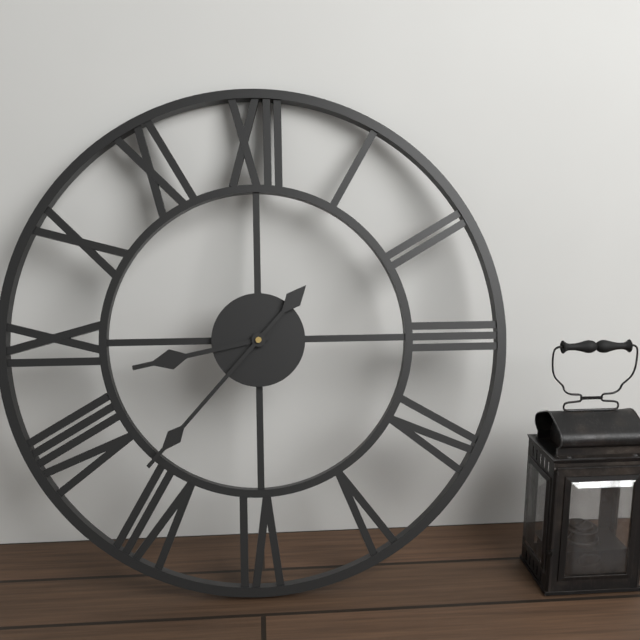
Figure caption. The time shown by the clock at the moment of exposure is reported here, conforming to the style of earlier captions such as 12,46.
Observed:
8,37
